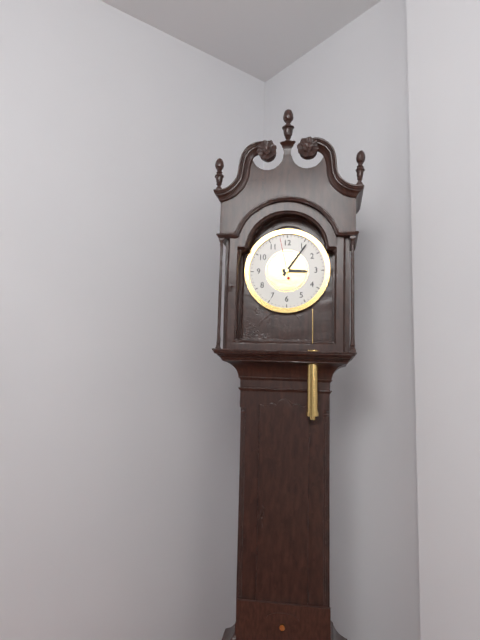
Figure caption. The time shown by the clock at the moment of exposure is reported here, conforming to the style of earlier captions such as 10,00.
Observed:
3,06
